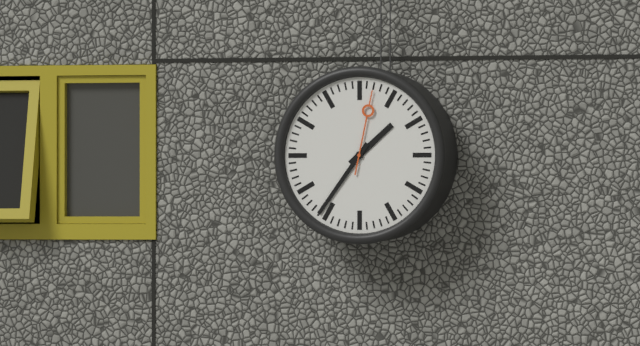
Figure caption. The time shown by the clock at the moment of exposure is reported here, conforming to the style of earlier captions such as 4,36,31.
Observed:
1,36,02
